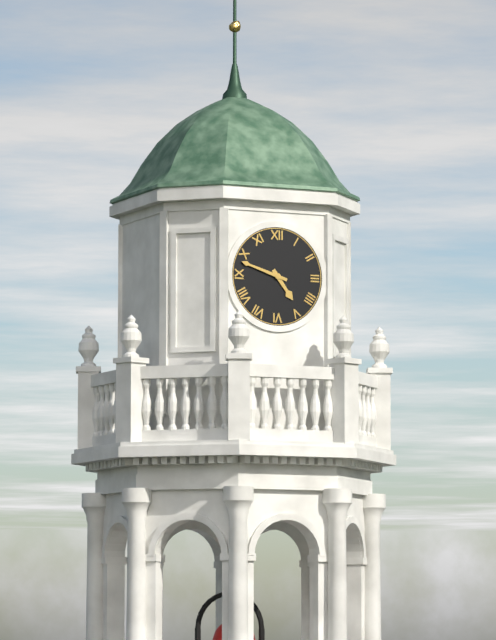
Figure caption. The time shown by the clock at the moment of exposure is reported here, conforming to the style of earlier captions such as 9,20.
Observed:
4,48
